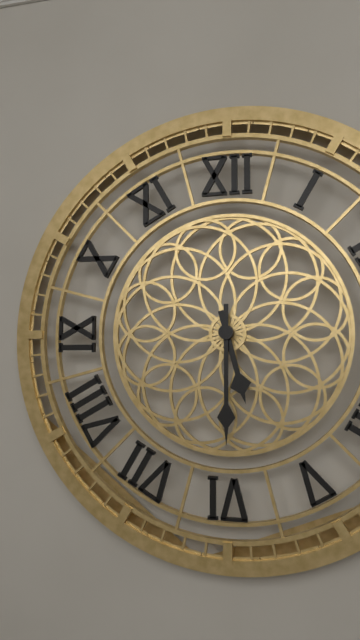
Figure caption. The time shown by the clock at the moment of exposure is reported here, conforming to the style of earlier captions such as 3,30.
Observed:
5,30
